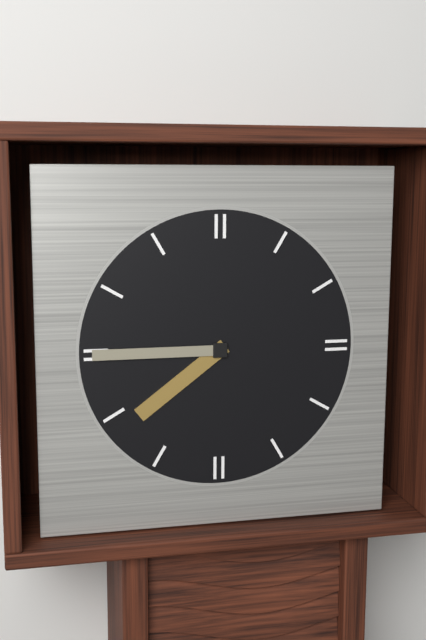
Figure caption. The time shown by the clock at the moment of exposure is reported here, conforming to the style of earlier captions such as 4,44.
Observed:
7,45
